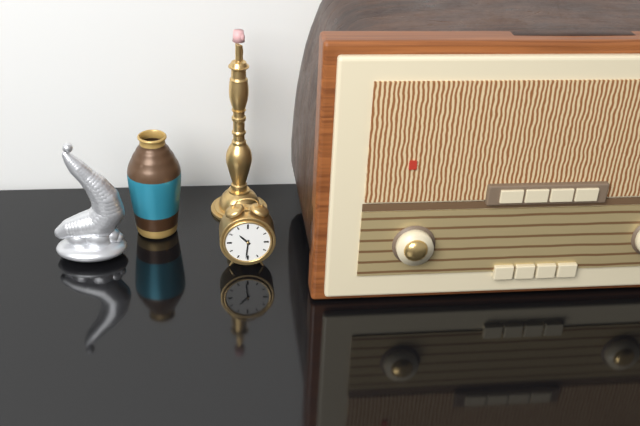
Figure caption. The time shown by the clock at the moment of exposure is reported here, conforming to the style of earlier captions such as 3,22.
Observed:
10,31
